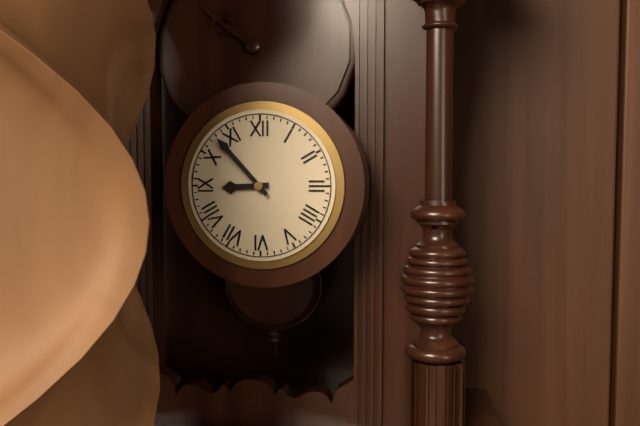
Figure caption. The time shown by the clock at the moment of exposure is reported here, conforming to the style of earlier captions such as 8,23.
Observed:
8,53
